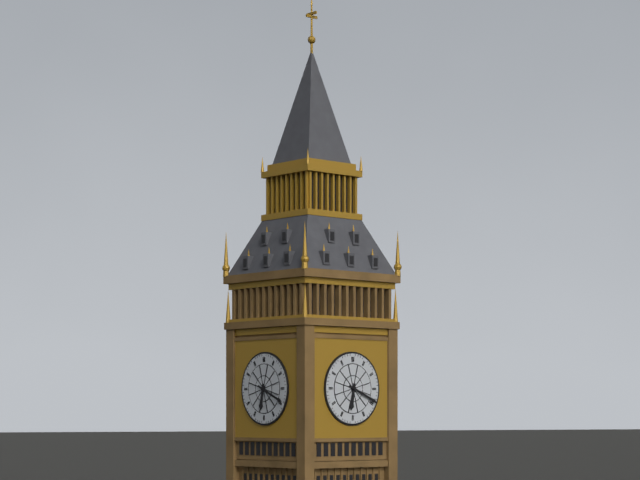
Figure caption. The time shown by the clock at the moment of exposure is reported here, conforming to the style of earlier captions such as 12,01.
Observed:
6,19
